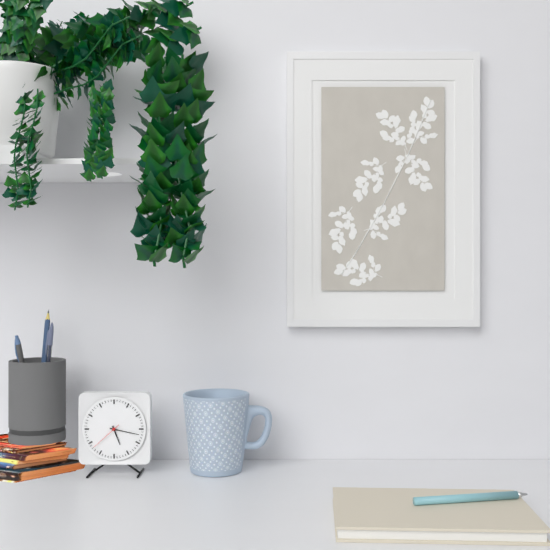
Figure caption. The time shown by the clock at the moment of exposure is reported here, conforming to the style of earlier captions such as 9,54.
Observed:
5,17
